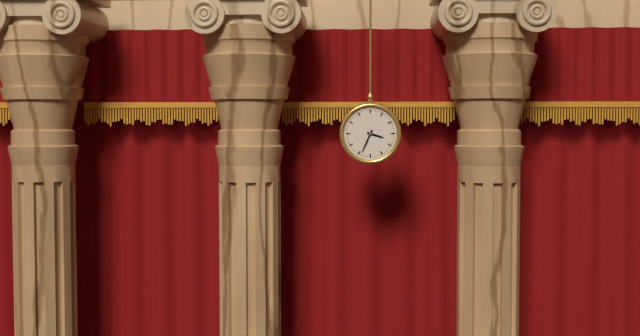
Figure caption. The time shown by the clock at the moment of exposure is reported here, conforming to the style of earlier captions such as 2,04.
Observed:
3,34
